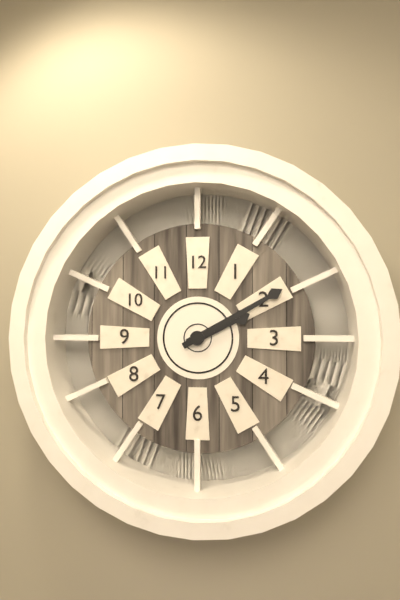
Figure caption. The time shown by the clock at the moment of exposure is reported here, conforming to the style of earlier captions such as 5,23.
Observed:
2,10
